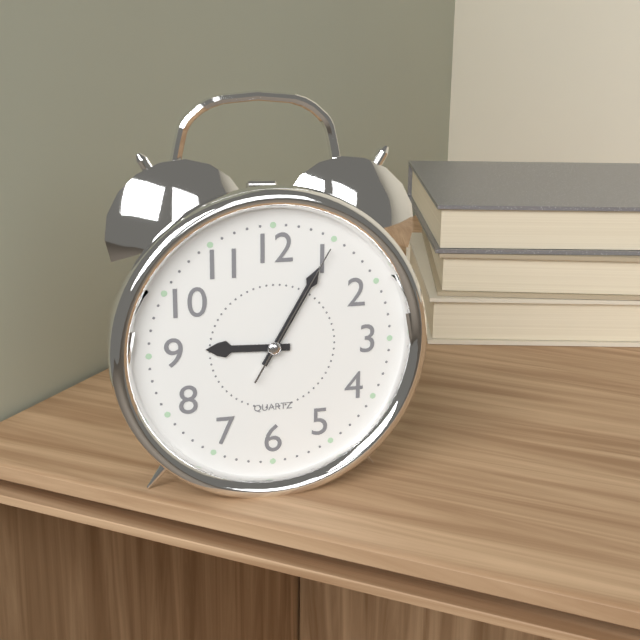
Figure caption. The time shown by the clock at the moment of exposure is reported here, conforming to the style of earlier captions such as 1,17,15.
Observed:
9,05,05
